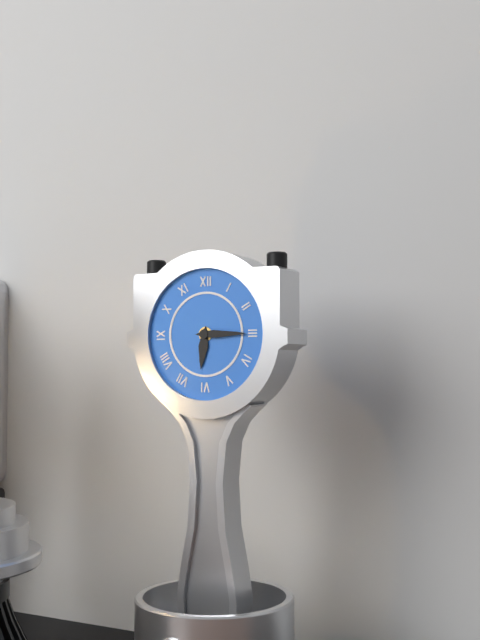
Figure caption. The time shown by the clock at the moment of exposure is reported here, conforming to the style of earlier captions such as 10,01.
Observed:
6,15
